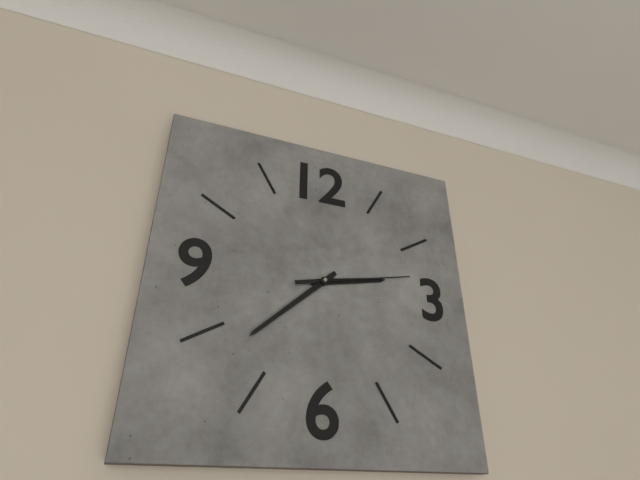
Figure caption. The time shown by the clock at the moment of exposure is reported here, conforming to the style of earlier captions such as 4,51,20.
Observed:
2,38,13
